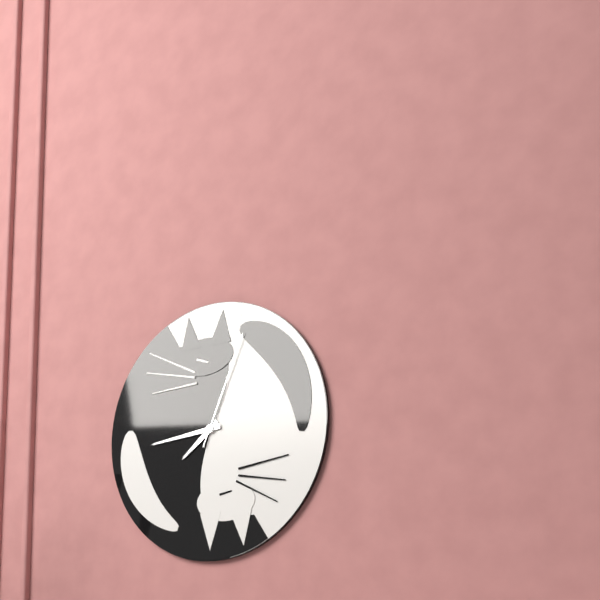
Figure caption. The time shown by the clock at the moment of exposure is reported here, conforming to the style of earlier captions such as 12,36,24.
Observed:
7,44,04
